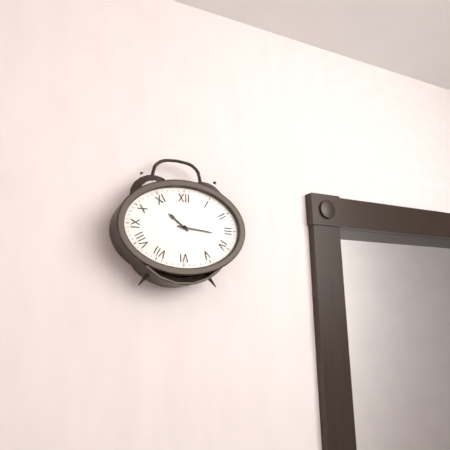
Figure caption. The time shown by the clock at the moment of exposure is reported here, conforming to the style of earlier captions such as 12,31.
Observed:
10,16
